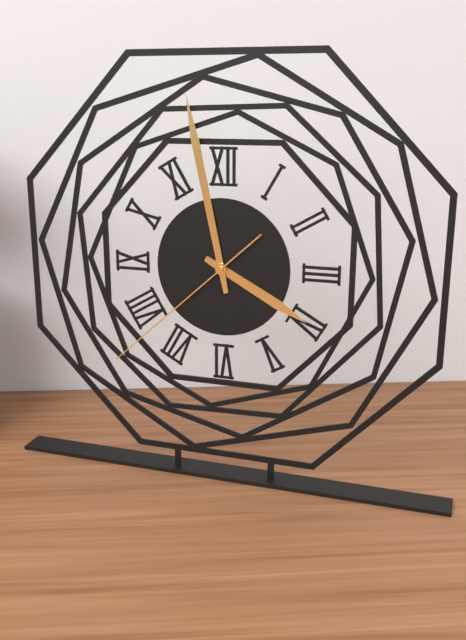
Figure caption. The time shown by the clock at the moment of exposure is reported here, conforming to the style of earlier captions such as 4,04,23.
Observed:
3,58,38
